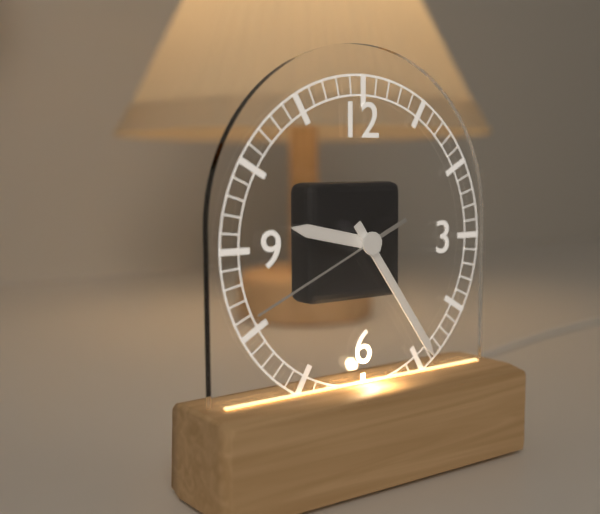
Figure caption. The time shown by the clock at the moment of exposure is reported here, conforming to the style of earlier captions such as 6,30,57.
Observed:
9,24,41
